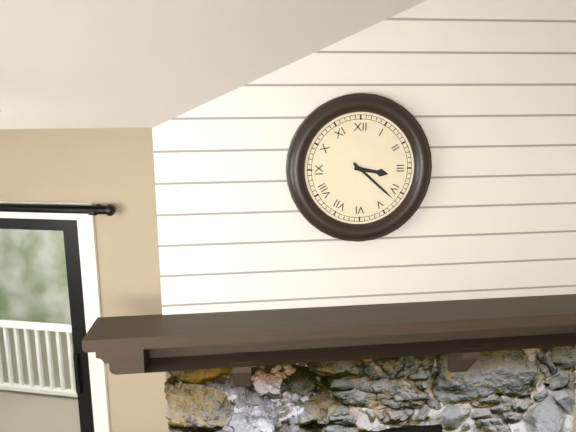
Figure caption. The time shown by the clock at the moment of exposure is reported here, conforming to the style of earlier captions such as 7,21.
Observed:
3,22
